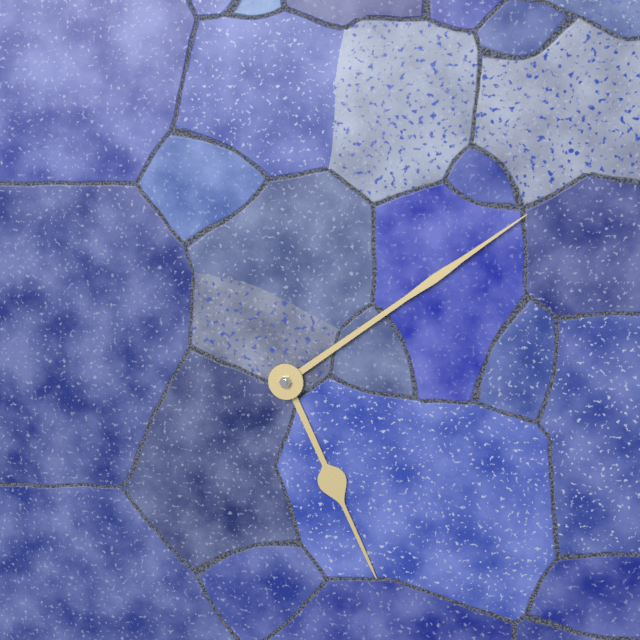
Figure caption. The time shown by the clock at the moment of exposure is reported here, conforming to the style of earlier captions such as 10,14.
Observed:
5,09
